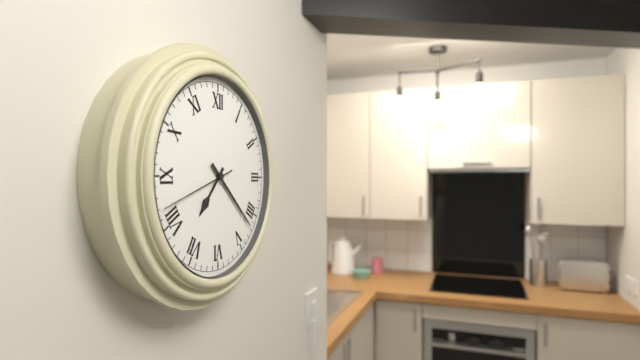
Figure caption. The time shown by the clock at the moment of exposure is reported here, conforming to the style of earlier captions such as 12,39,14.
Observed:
7,22,42
